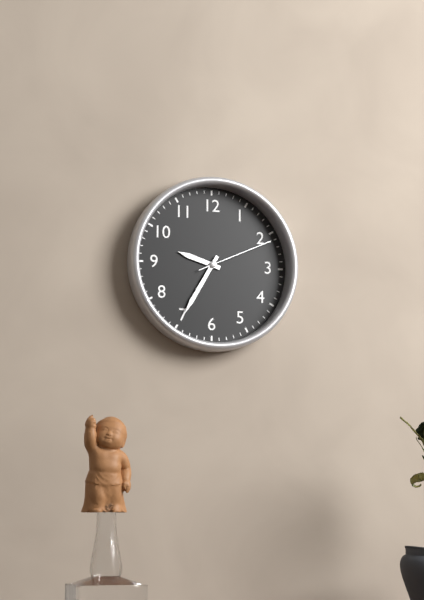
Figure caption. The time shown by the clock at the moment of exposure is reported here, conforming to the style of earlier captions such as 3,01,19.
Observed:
9,35,11
